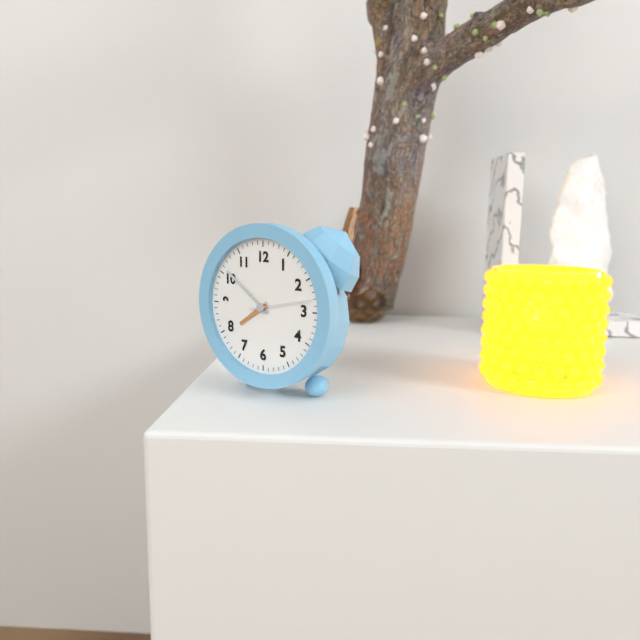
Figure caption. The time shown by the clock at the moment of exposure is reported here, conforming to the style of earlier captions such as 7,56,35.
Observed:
7,51,13
